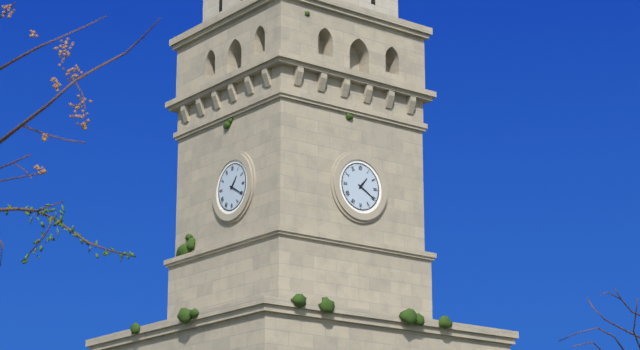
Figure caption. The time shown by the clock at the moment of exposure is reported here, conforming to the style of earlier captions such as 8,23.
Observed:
1,20
